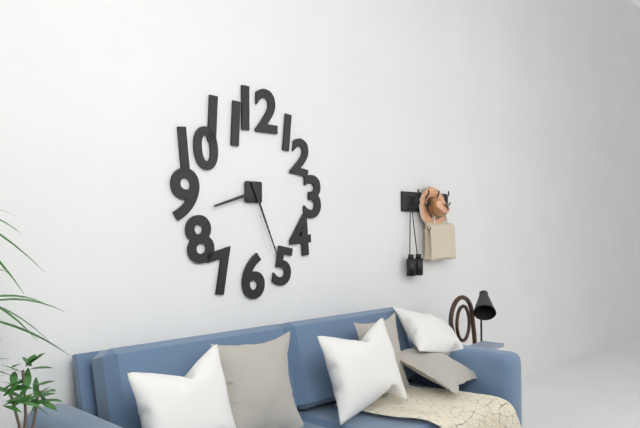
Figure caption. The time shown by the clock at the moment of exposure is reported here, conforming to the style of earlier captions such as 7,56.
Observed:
8,26
